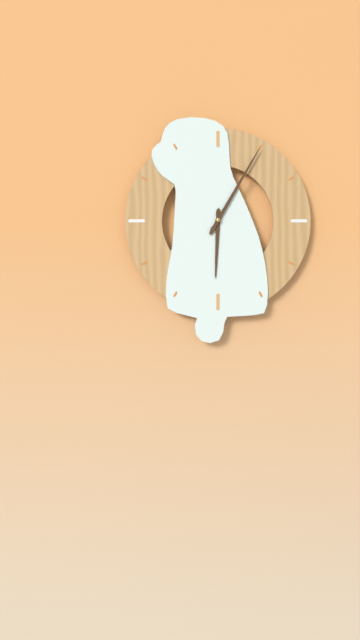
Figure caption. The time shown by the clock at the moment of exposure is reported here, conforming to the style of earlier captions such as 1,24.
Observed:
6,05
